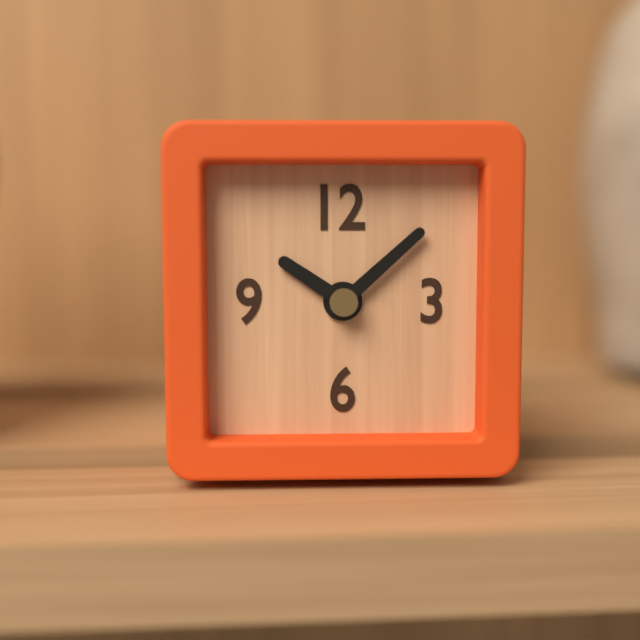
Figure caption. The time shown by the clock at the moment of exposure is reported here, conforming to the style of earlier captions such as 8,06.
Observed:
10,08
